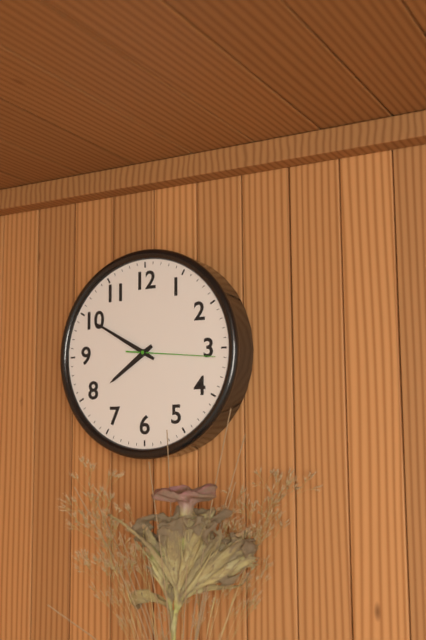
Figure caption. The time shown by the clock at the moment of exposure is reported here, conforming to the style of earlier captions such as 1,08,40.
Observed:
7,50,16
